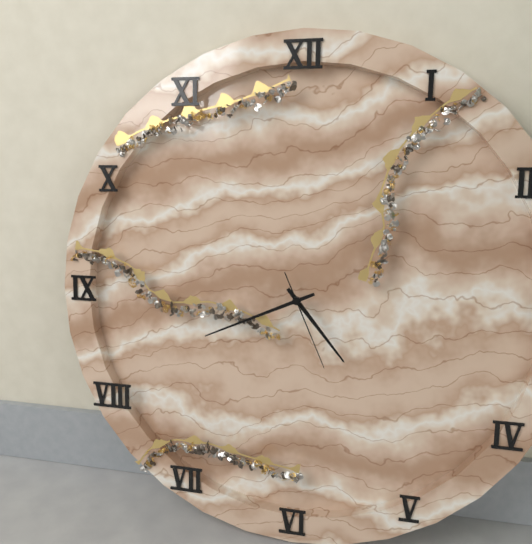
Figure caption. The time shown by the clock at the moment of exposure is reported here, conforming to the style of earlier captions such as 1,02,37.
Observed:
4,41,26
